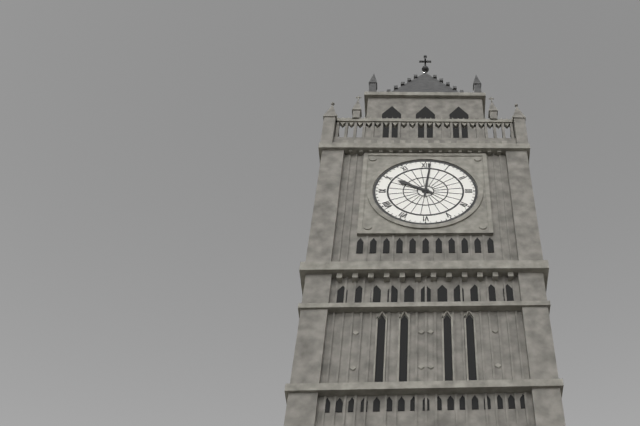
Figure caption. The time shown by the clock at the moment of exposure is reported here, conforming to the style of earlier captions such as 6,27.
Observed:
10,01
